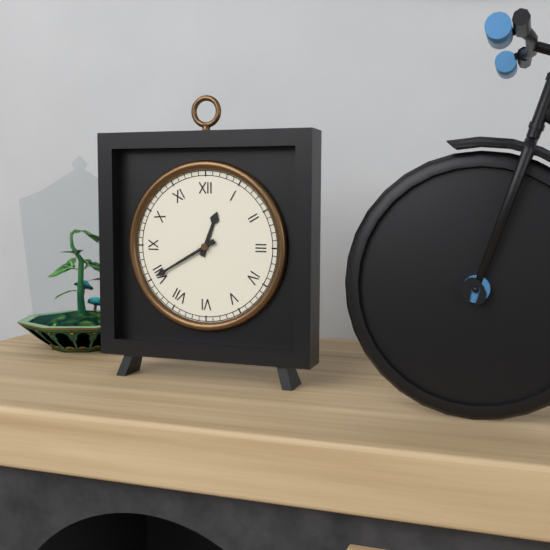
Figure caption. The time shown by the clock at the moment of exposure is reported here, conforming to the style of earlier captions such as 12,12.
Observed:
12,40
